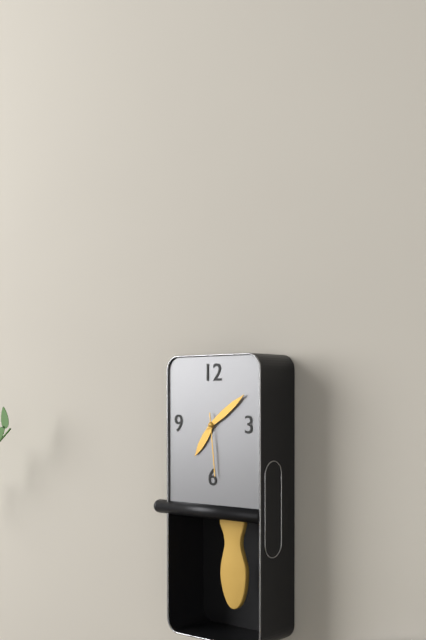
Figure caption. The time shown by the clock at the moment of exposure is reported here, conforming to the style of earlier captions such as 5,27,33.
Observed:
7,09,29
